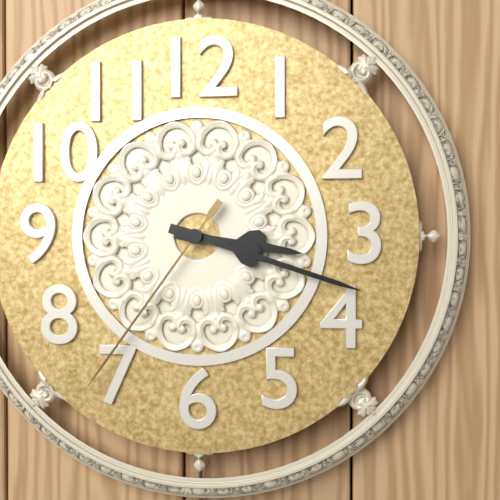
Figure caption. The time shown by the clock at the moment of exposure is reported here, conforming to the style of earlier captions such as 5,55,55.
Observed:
3,18,36
